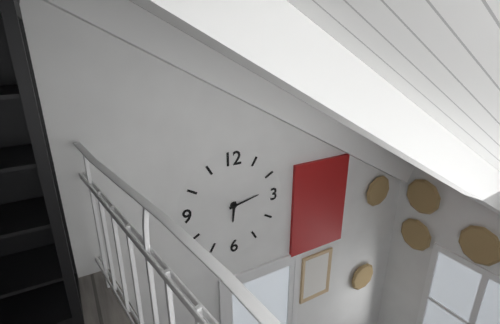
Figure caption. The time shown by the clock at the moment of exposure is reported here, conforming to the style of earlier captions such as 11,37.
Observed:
6,13
